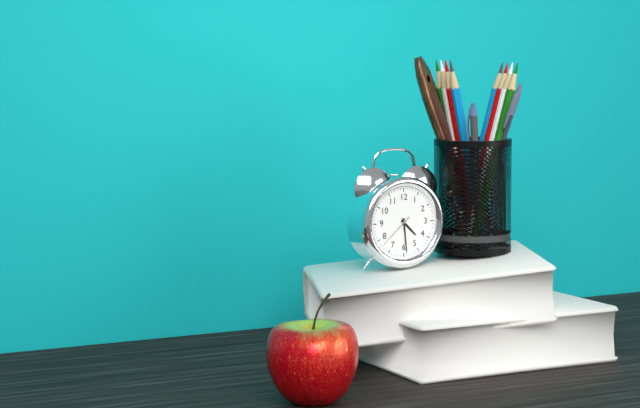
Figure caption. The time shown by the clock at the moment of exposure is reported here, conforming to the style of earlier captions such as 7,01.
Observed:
4,29
